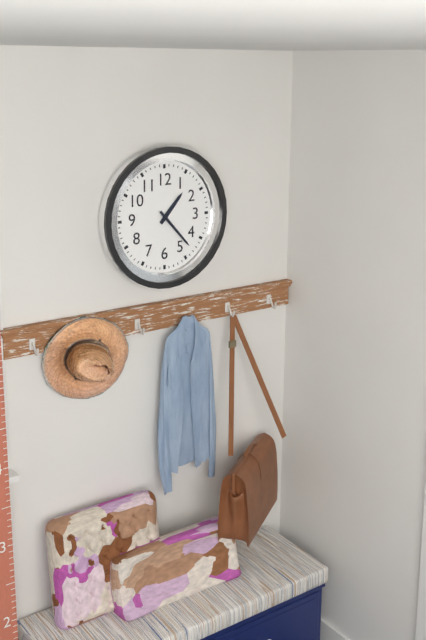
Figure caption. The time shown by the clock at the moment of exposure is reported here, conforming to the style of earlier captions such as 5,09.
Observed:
1,23
